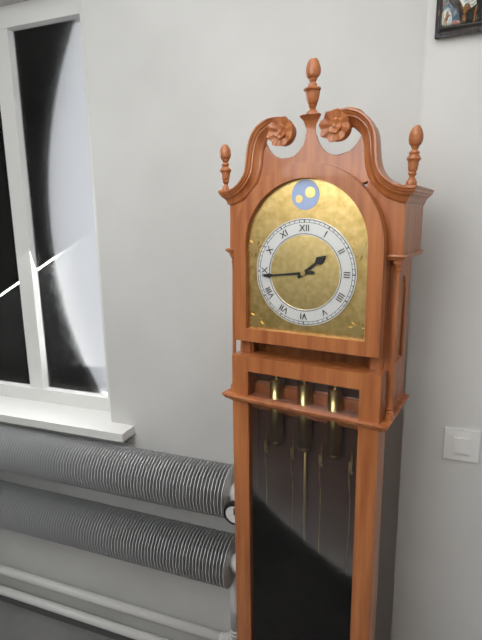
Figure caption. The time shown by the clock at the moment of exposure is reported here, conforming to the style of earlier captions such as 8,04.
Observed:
1,44
